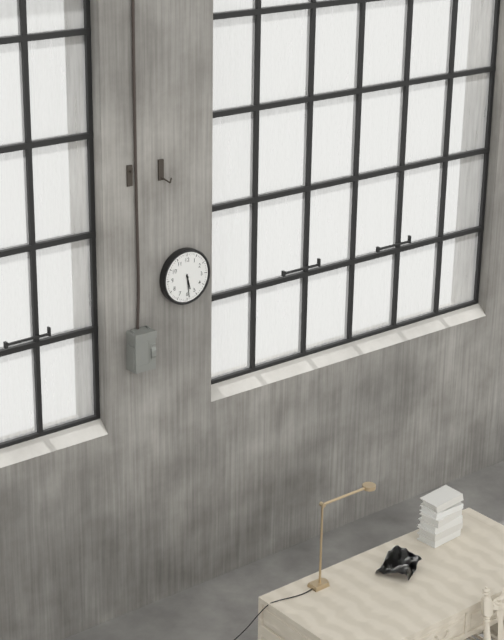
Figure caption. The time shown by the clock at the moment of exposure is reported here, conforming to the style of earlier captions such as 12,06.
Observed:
5,29
